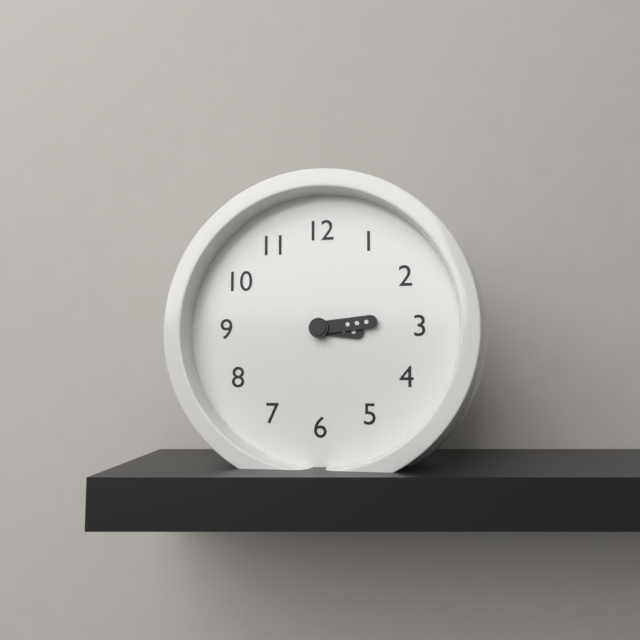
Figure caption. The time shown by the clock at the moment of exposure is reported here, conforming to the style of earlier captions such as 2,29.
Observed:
3,14
